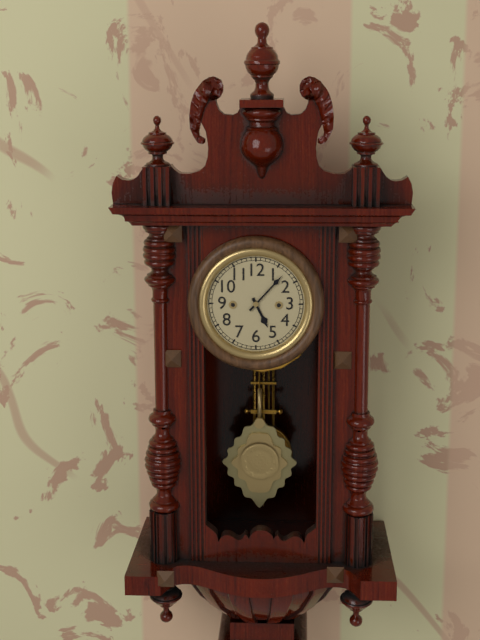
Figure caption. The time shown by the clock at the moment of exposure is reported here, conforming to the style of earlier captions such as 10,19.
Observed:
5,07
